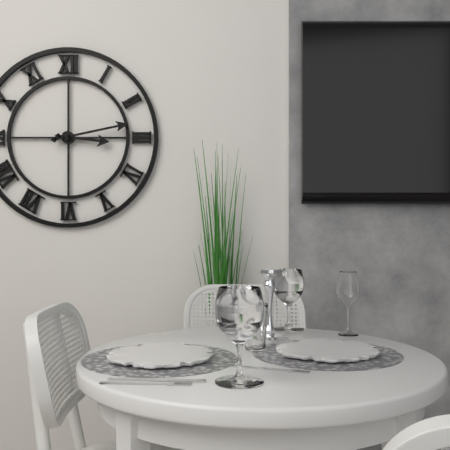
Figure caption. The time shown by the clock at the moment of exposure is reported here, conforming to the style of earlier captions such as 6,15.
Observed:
3,13
